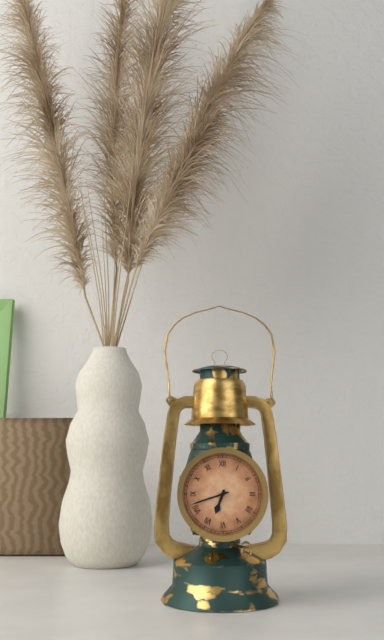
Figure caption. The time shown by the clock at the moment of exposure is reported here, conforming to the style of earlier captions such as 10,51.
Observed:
6,42
